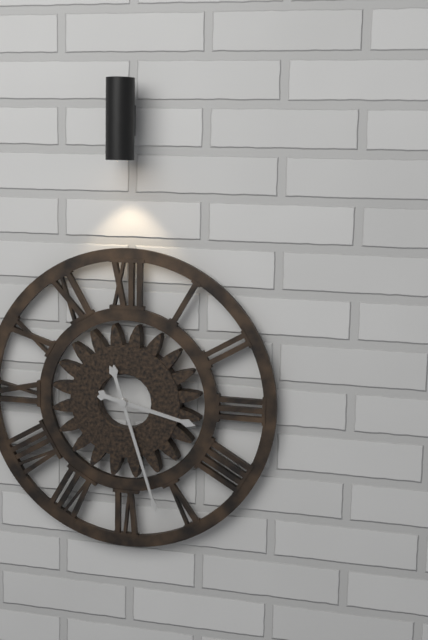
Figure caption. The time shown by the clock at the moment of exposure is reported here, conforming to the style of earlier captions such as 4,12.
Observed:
3,27
